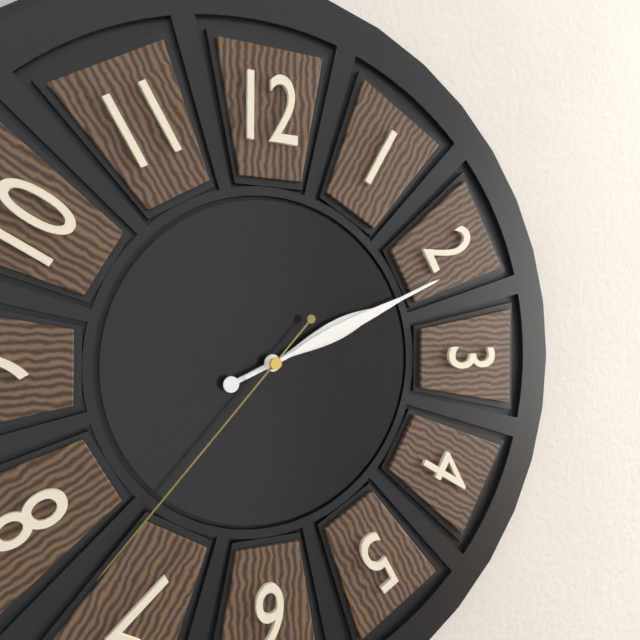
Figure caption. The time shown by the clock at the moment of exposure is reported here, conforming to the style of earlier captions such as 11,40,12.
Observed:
2,11,37
